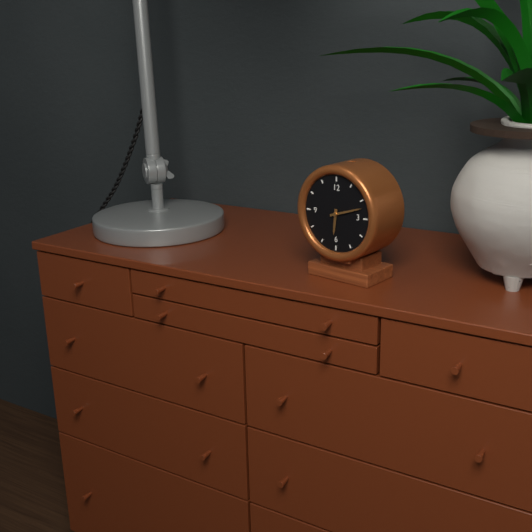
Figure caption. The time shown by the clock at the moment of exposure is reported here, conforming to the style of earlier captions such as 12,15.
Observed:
6,12
